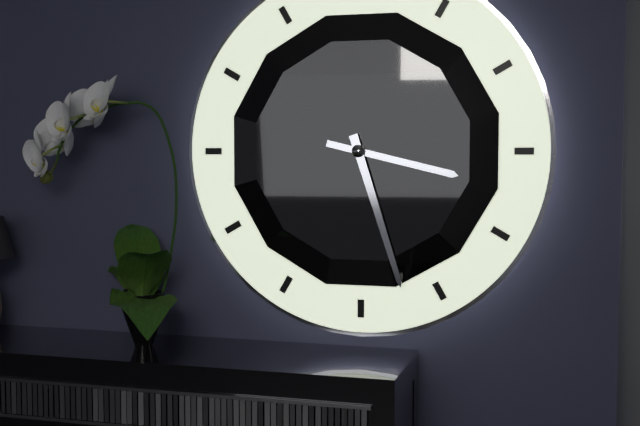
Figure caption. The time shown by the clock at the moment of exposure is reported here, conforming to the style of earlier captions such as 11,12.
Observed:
3,27
